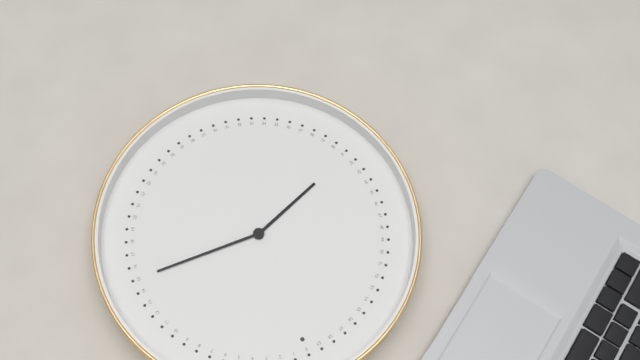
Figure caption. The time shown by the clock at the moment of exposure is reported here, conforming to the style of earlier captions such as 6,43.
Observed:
8,15
